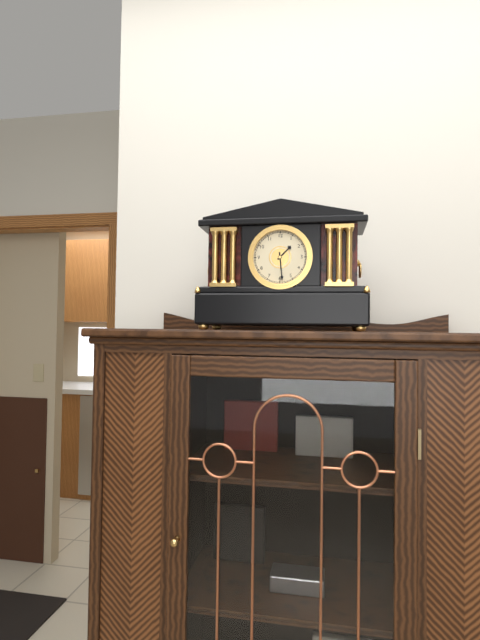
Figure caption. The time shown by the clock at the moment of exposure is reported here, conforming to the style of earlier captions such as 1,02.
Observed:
1,29
